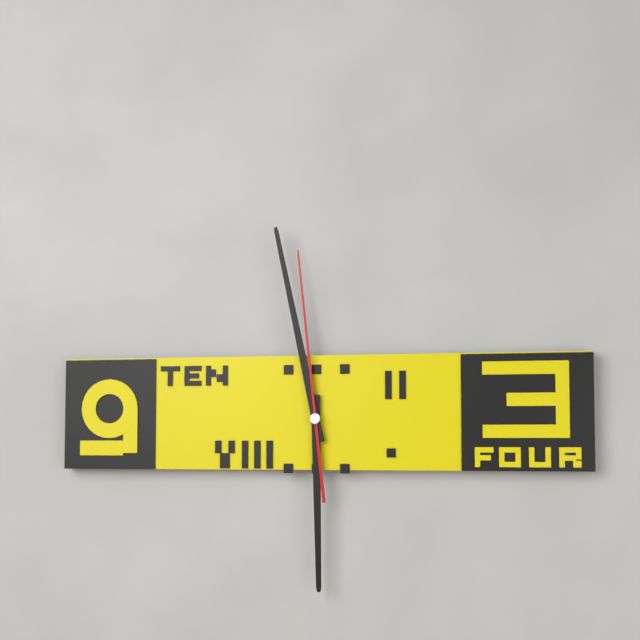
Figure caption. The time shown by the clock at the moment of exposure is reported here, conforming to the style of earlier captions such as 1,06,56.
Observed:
5,58,59
